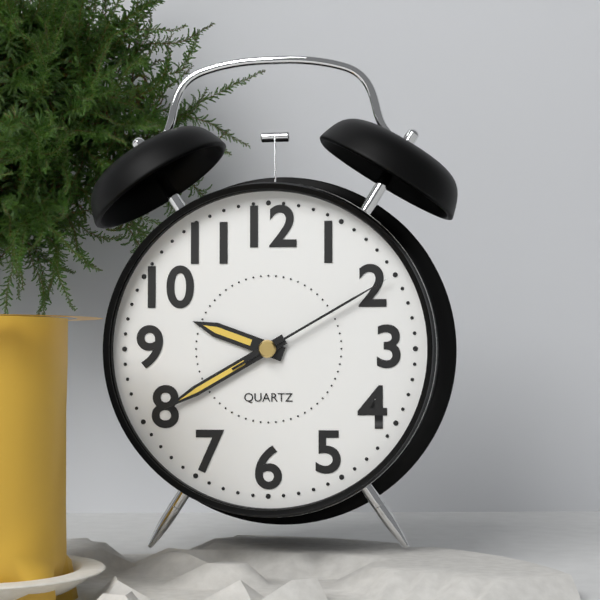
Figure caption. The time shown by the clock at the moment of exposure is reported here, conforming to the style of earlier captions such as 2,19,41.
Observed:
9,40,10
